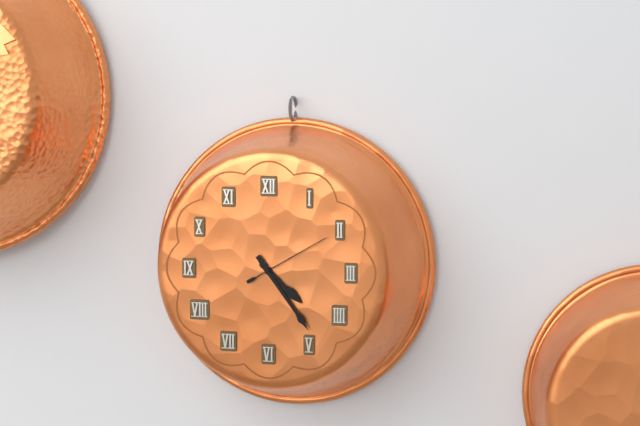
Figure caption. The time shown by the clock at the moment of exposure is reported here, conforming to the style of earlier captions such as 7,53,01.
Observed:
4,24,10
